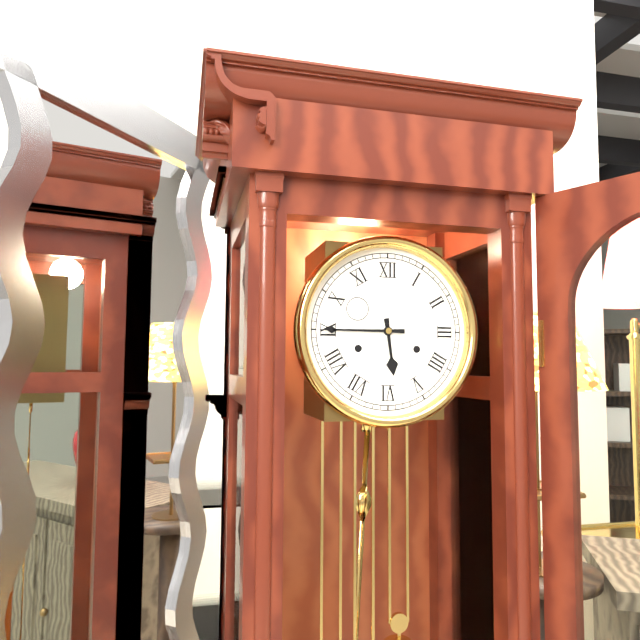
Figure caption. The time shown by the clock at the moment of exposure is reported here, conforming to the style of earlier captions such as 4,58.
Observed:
5,45
